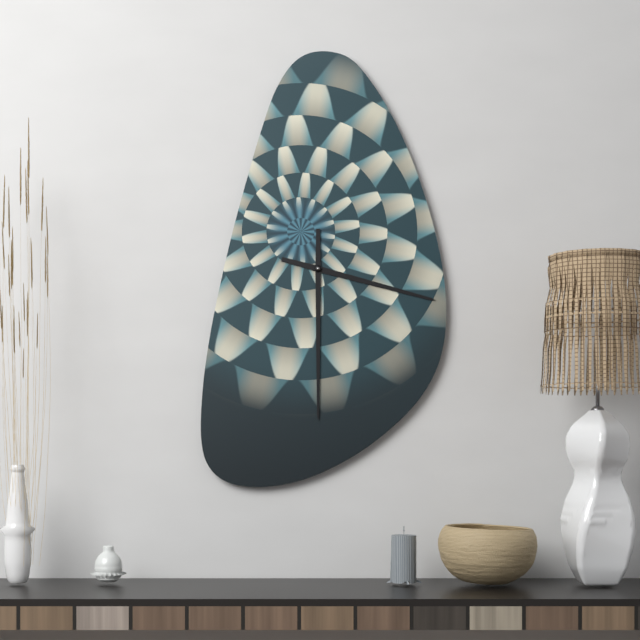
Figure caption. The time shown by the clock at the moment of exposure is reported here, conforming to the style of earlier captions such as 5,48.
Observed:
3,30
